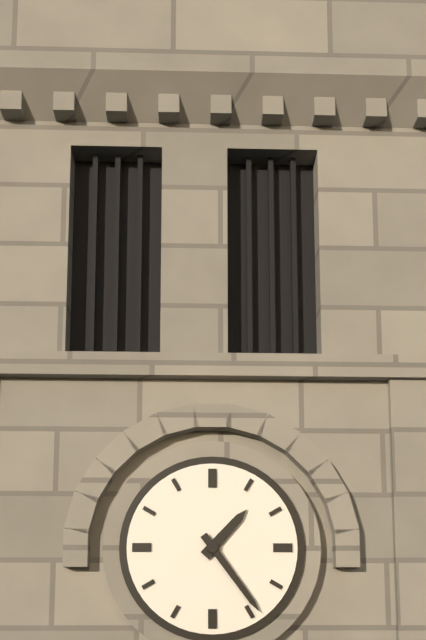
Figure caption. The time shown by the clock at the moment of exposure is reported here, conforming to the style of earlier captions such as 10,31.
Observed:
1,24
